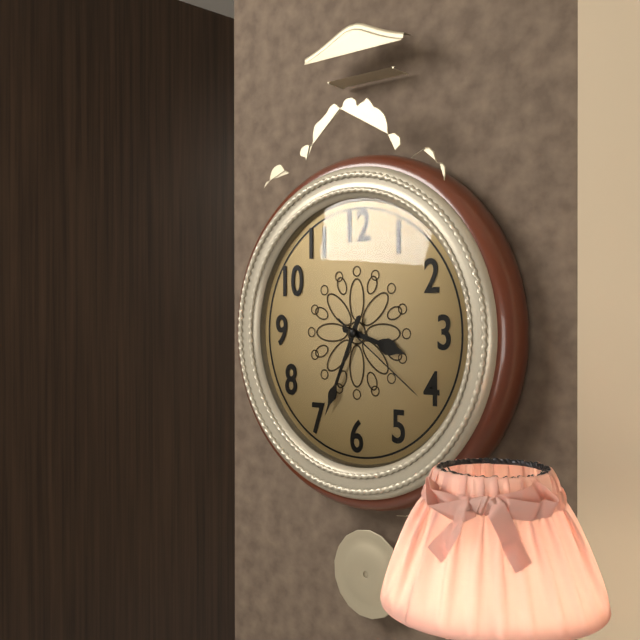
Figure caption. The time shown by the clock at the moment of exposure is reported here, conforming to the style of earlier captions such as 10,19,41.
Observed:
3,34,21
